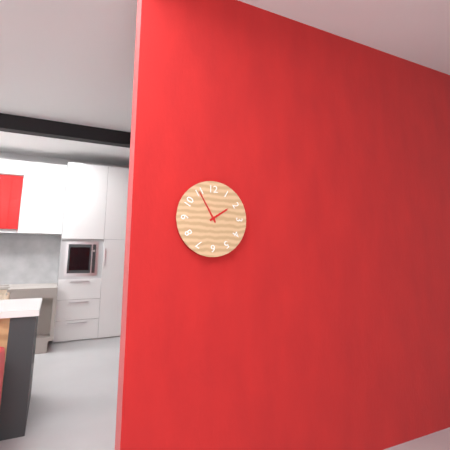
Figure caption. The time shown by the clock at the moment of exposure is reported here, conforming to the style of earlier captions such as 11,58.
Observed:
1,55
